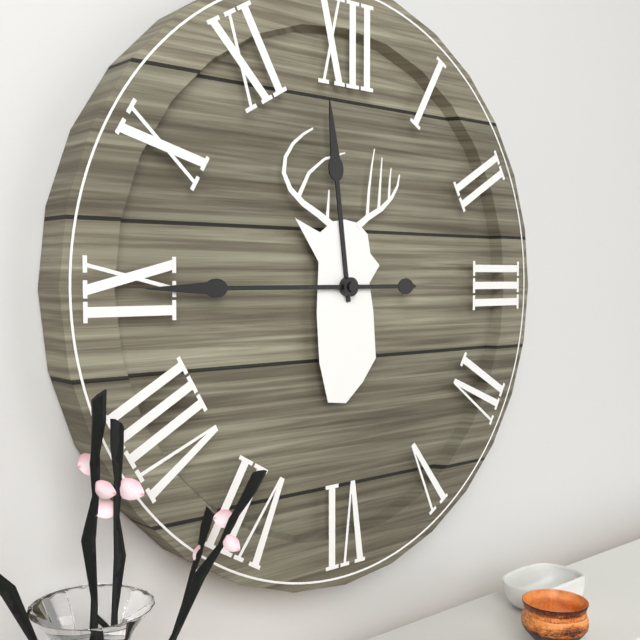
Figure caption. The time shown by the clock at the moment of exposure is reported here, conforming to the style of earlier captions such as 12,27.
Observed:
11,45
